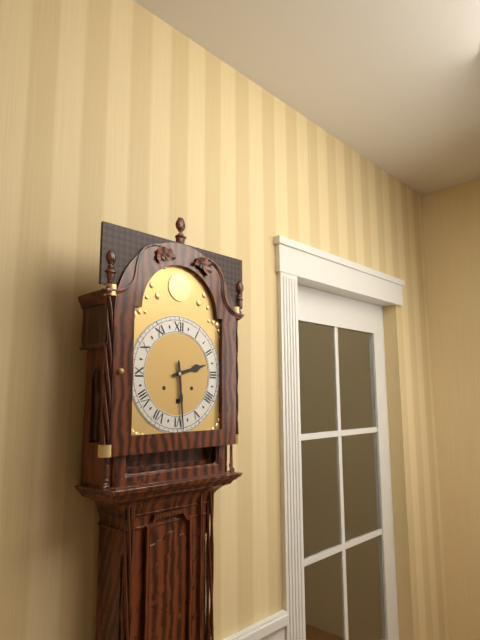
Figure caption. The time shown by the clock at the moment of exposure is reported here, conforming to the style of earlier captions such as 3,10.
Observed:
2,29
